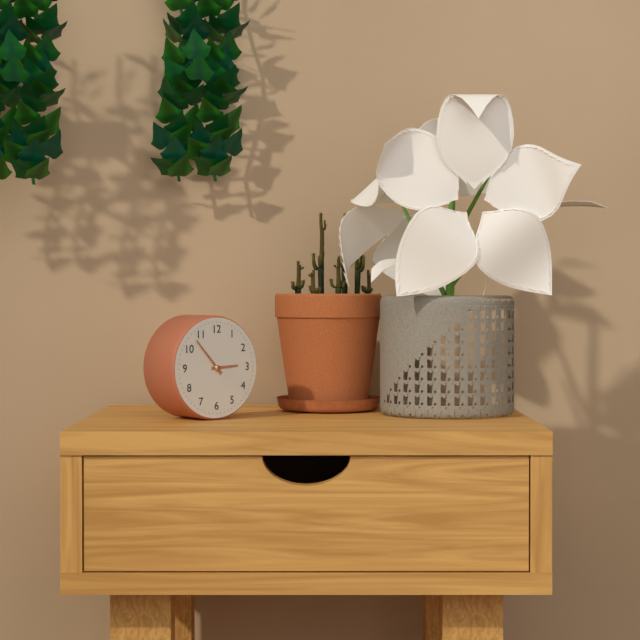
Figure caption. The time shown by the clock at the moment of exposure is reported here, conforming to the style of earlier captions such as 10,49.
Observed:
2,53
